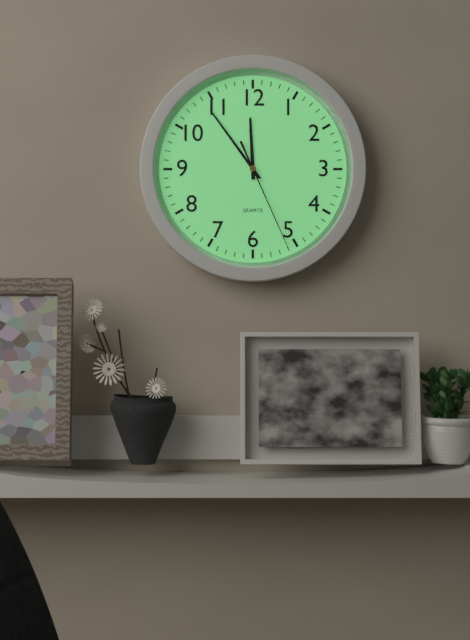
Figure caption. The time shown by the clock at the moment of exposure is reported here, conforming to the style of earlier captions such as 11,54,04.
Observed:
11,54,26
